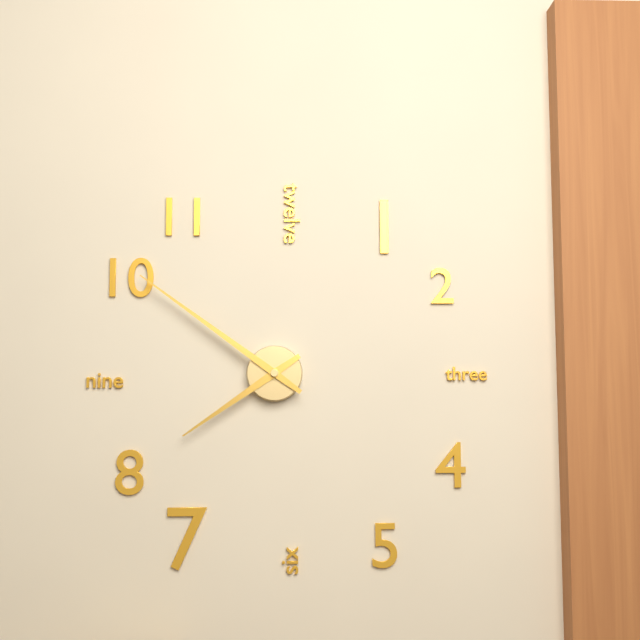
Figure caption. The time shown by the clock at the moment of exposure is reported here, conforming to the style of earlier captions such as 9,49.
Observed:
7,51
